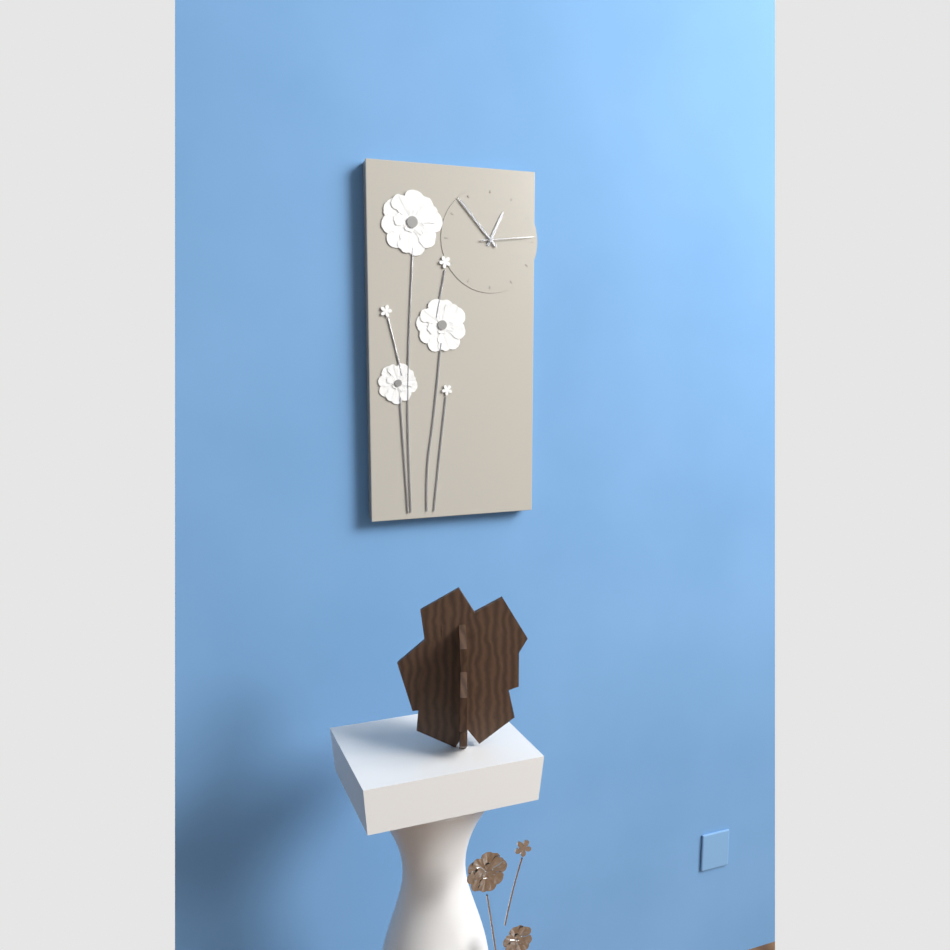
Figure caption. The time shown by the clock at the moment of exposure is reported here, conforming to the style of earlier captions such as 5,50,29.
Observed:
12,53,14
